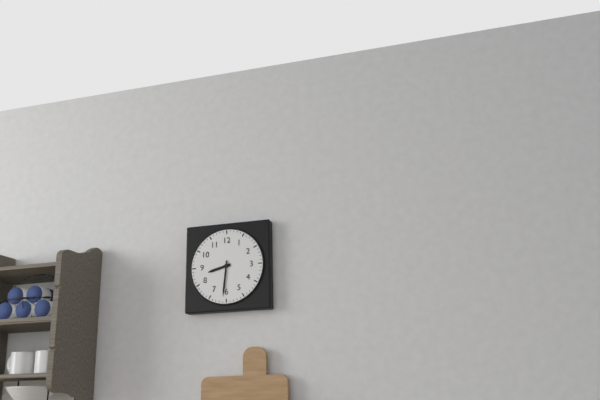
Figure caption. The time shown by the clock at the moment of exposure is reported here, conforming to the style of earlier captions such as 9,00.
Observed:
8,31
